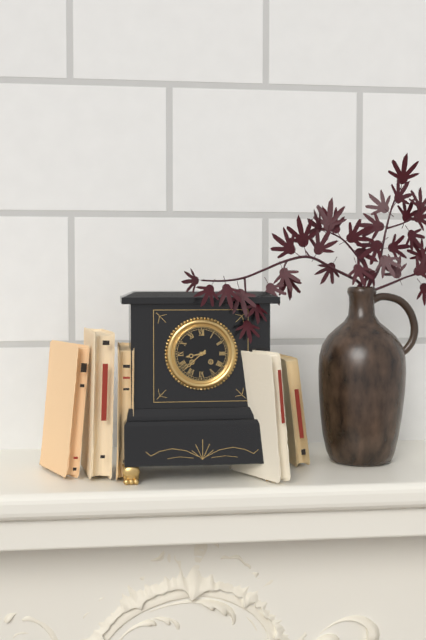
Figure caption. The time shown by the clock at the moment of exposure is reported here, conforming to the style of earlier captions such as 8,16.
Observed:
8,38
